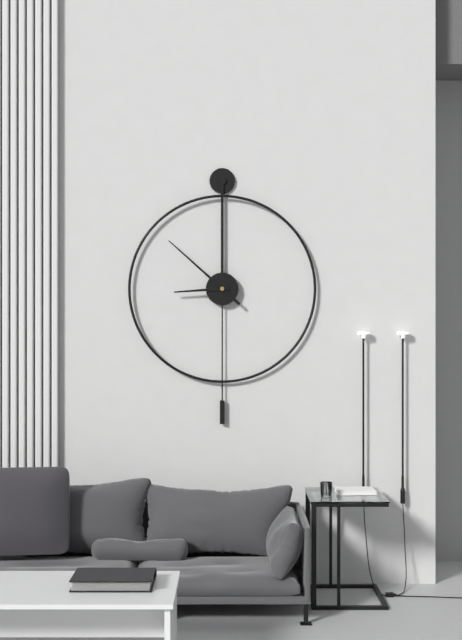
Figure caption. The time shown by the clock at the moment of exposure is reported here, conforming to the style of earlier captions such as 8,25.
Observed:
8,52
